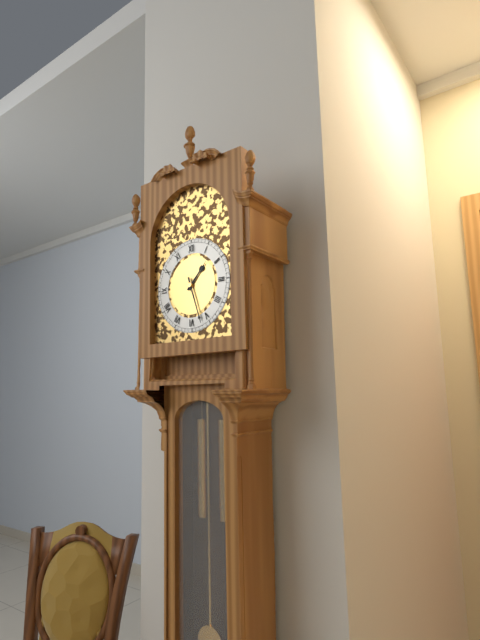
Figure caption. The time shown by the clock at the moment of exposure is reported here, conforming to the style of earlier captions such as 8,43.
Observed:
1,27
